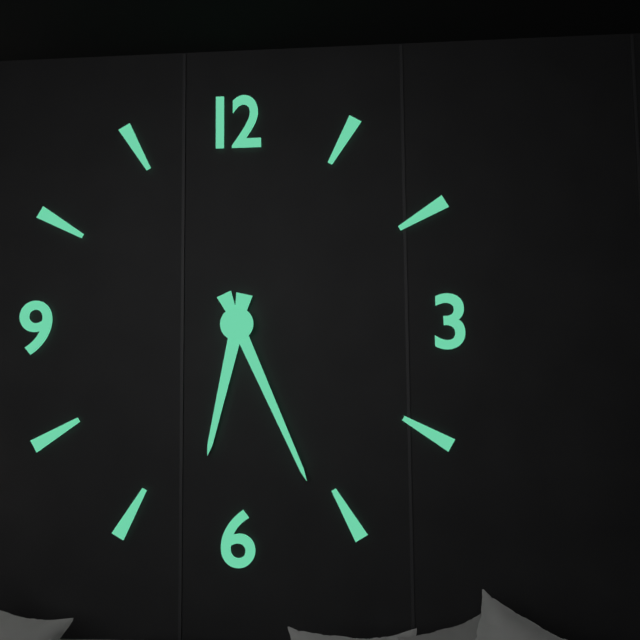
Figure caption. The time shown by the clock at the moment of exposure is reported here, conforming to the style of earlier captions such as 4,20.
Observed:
6,26
